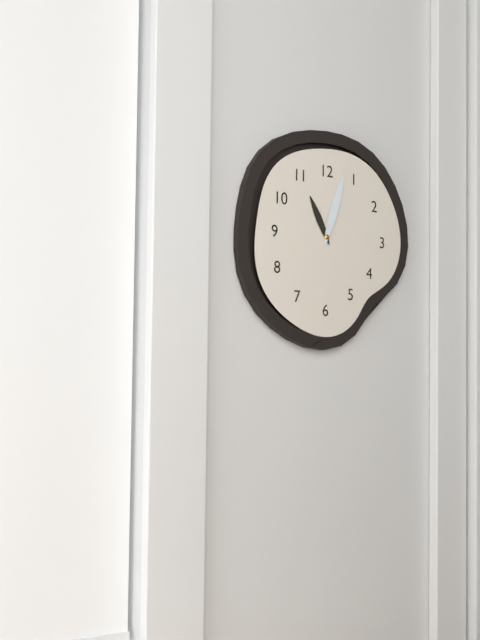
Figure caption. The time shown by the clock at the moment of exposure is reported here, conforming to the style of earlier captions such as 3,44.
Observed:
11,03
